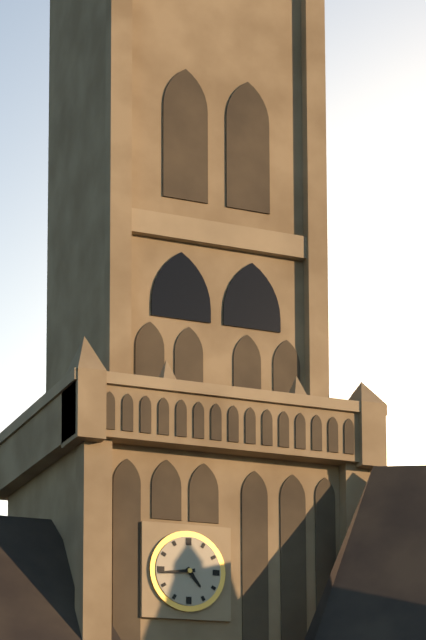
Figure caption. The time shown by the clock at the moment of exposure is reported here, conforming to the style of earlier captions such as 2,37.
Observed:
4,44
